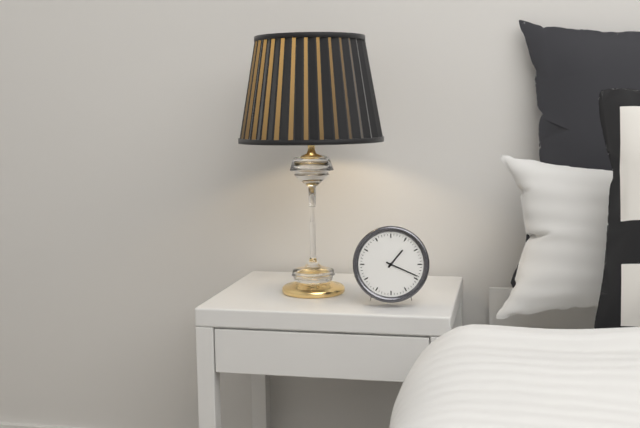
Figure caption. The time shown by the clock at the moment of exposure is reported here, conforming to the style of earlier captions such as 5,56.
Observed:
1,19
